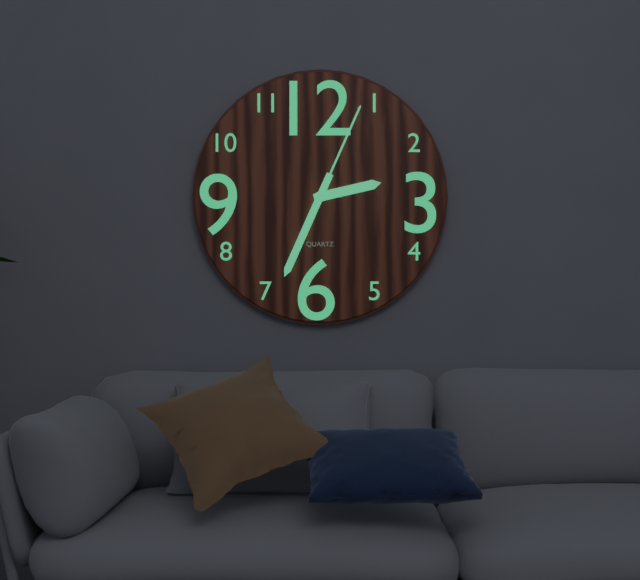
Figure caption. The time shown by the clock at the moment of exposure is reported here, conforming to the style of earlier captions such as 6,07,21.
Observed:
2,34,04
